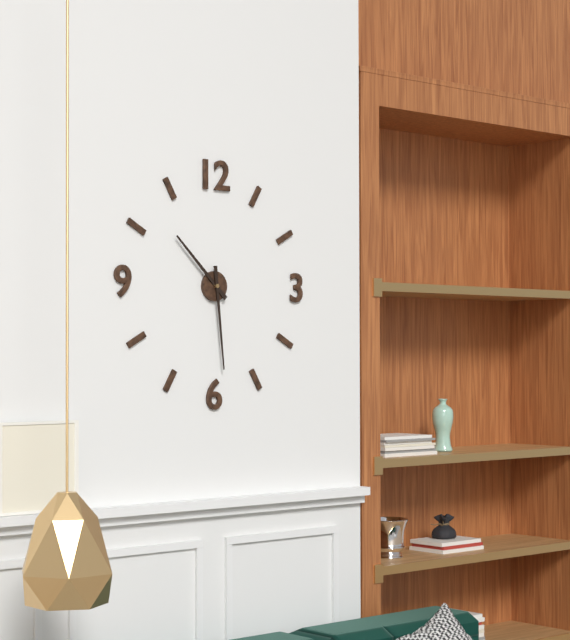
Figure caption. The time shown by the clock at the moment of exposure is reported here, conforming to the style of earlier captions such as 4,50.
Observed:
10,29
